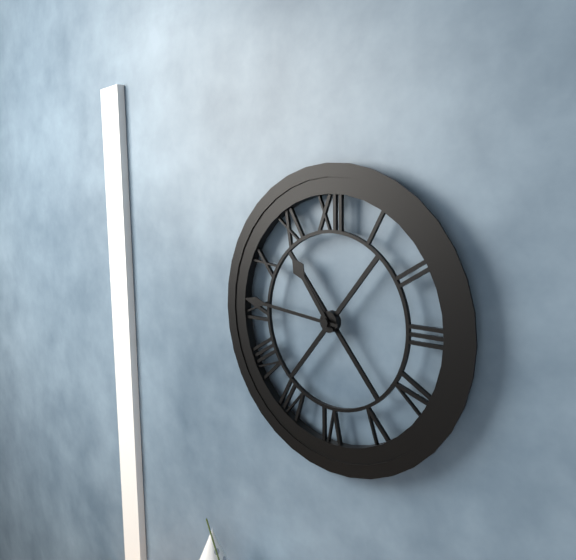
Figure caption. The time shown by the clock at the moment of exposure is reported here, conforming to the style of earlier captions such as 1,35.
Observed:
10,46
